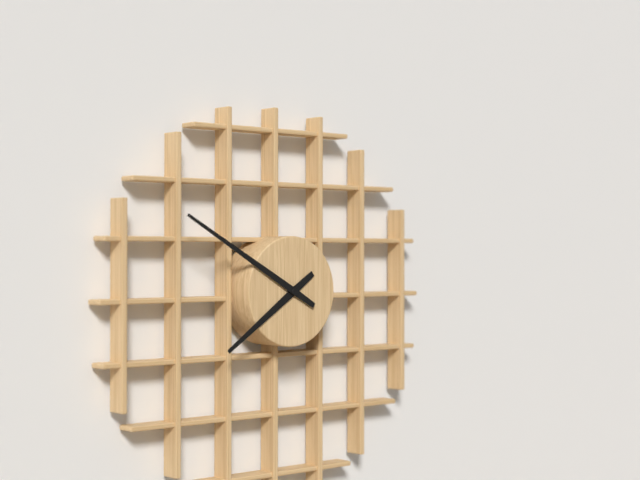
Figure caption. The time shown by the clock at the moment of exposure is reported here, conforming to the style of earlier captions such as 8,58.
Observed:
7,50
